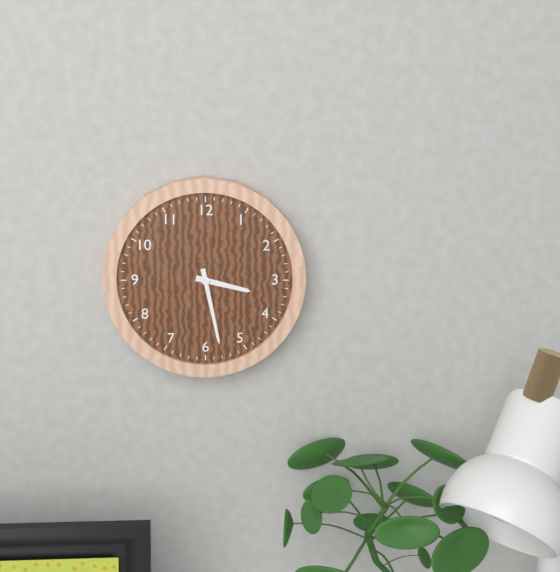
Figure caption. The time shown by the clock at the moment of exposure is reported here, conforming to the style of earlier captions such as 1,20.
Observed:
3,28
